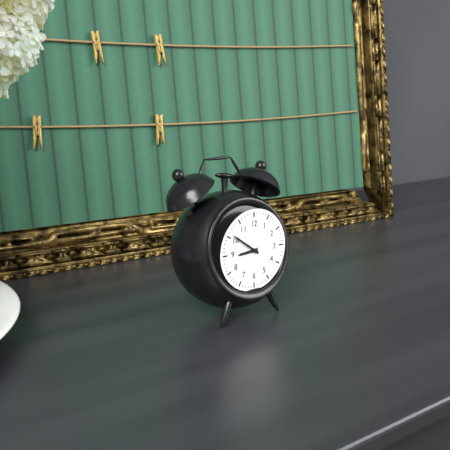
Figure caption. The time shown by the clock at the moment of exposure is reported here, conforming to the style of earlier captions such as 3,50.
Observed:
8,51
